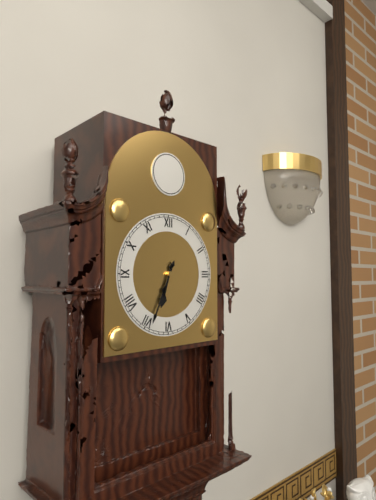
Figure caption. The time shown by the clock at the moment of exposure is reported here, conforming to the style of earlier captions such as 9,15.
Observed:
6,34
